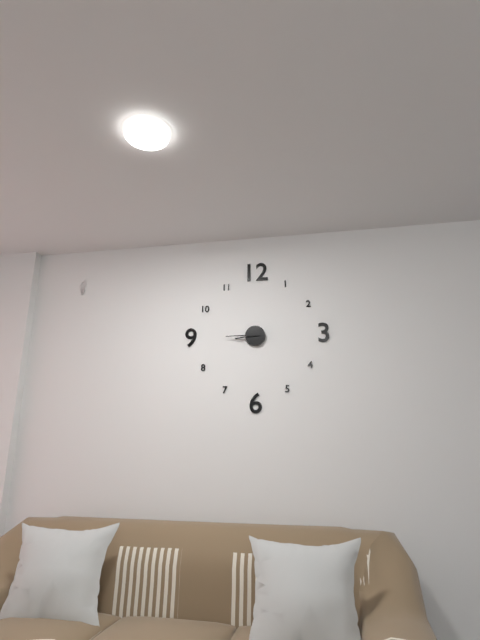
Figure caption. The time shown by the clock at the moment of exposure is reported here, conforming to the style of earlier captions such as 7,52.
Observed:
8,45
